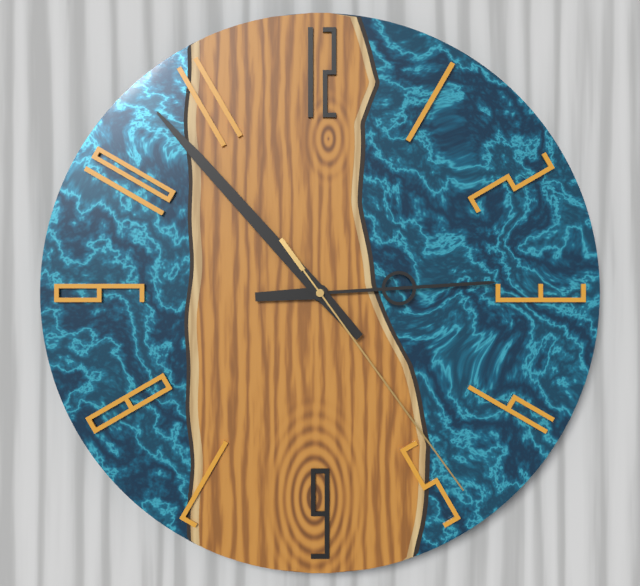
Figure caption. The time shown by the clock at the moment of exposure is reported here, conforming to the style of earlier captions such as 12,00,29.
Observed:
2,53,24
